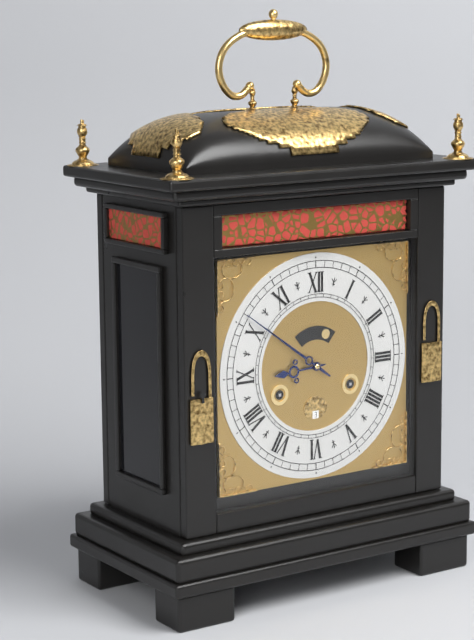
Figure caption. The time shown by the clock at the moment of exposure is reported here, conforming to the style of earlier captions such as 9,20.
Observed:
8,51
